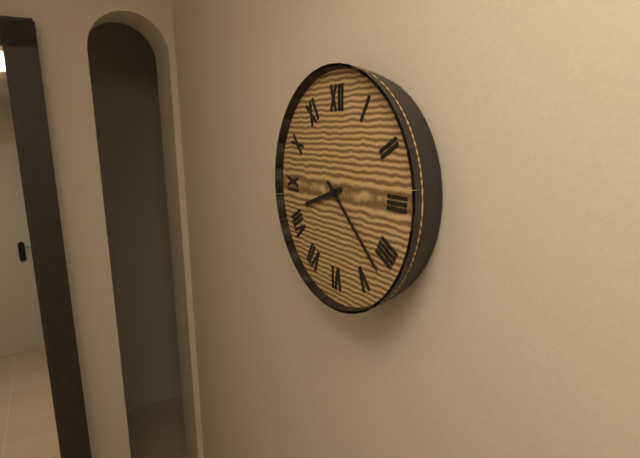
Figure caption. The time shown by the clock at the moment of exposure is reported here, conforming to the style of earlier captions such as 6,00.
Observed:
8,22
